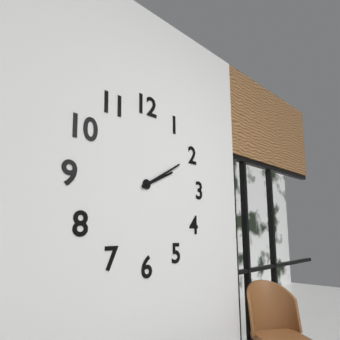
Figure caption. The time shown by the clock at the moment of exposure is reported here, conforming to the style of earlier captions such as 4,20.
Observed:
2,10
